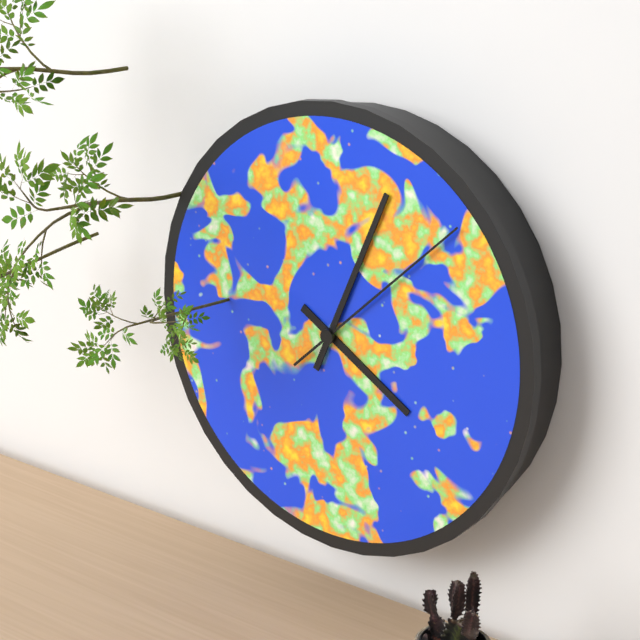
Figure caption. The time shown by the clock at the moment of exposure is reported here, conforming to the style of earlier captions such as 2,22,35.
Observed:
4,04,08
